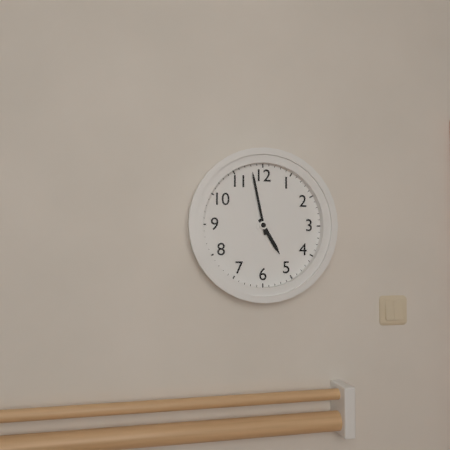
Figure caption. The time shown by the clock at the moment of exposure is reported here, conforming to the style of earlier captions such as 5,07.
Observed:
4,58
